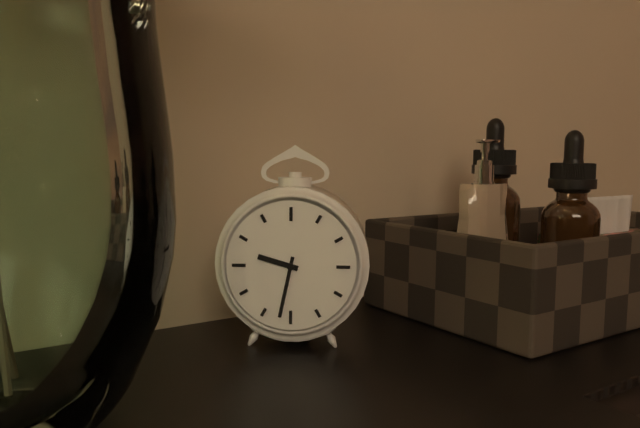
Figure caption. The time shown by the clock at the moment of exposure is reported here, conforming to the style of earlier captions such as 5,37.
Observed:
9,32
